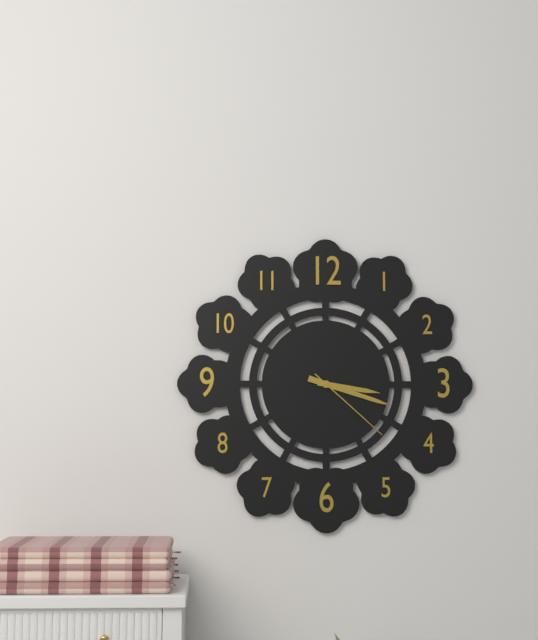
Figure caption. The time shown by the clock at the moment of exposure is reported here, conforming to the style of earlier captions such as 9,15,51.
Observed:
3,18,22
